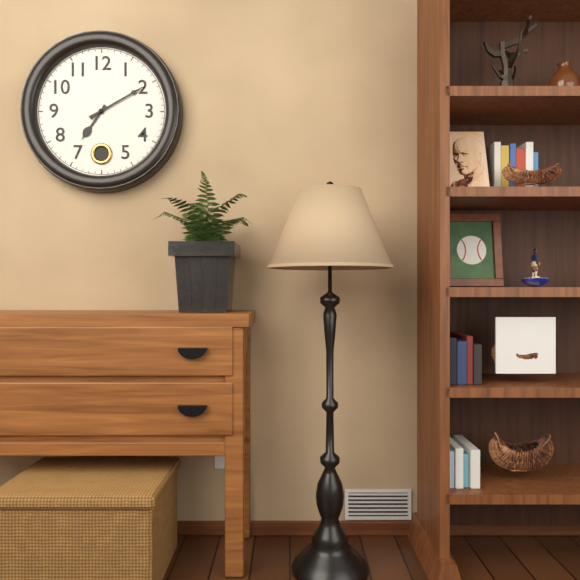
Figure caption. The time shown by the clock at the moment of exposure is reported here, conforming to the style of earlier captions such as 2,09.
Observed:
7,10
